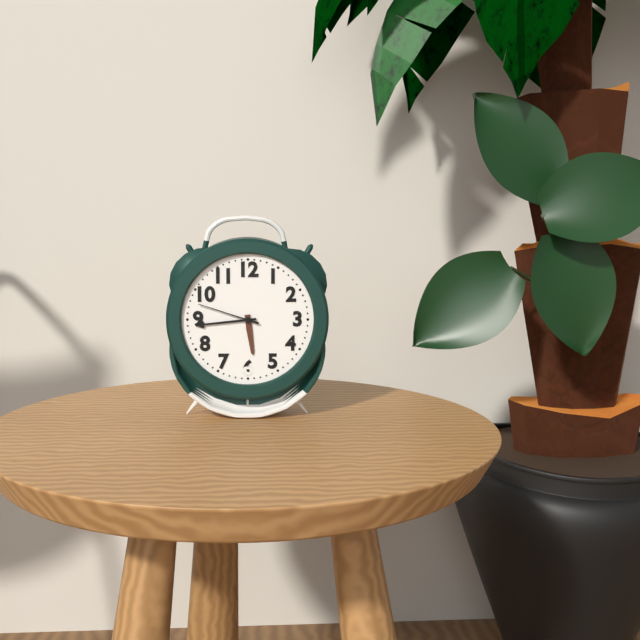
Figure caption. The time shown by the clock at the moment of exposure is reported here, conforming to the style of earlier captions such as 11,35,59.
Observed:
5,44,48
